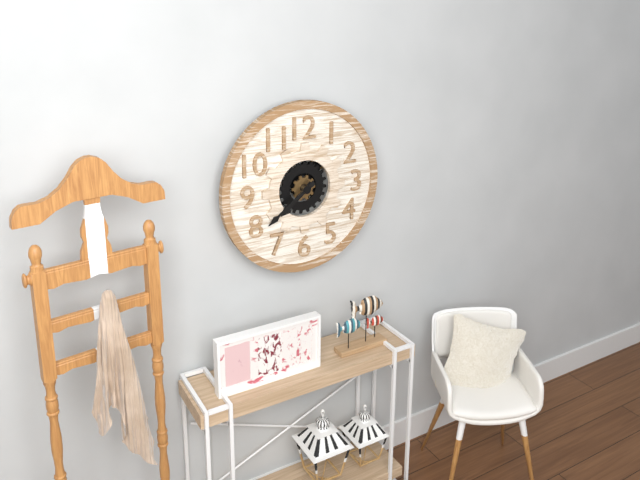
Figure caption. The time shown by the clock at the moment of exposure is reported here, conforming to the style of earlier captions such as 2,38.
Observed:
7,39
